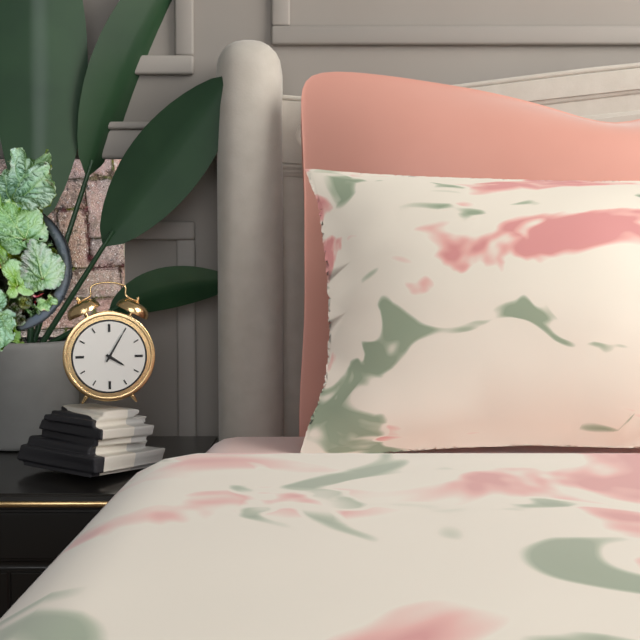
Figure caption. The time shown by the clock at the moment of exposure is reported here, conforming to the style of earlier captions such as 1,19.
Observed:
4,05
